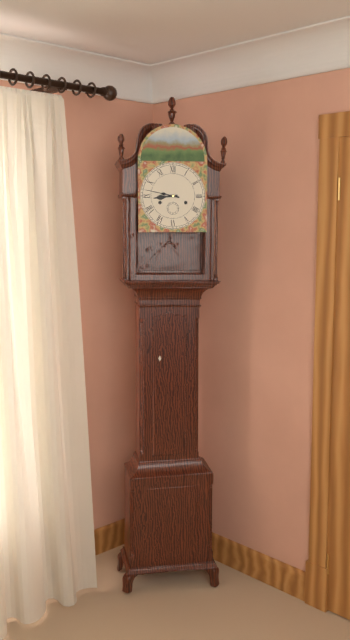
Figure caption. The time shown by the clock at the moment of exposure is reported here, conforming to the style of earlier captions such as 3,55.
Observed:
8,47
